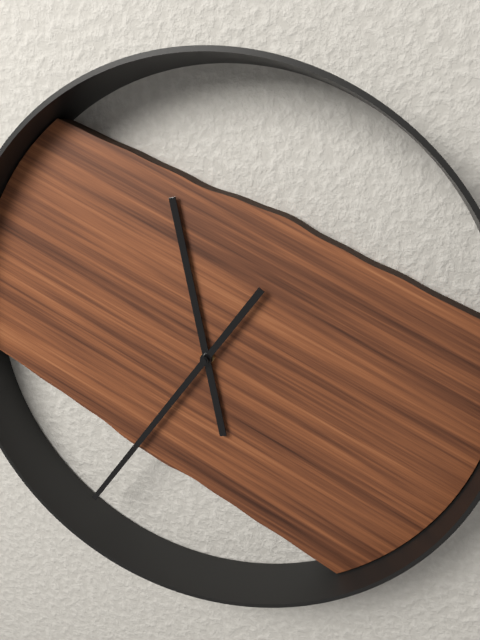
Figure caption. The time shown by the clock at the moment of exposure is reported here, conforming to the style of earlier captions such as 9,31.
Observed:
11,36
